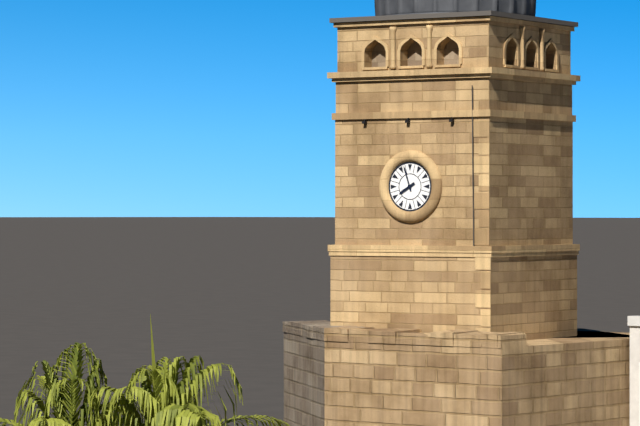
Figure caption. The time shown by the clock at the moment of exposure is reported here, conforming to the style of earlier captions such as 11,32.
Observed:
7,57
